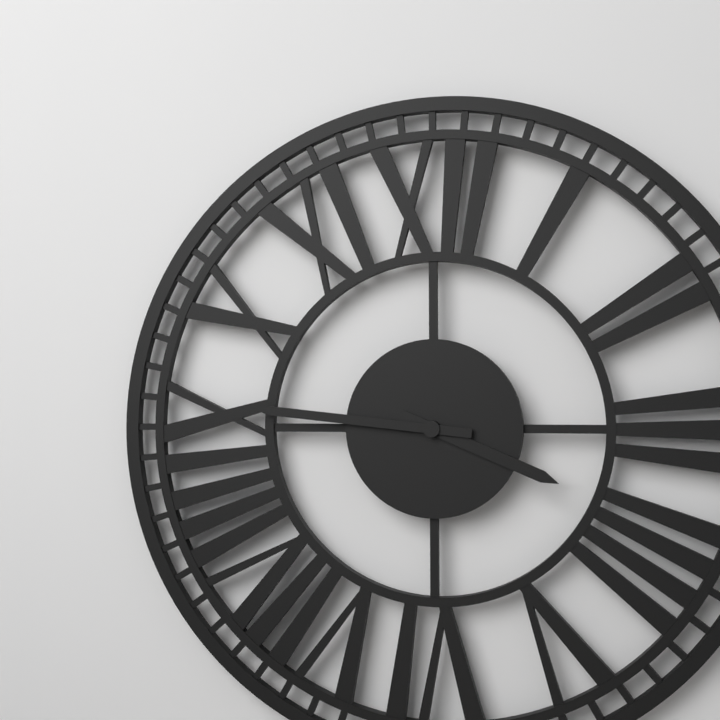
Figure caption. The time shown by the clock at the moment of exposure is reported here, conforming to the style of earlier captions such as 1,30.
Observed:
3,46
